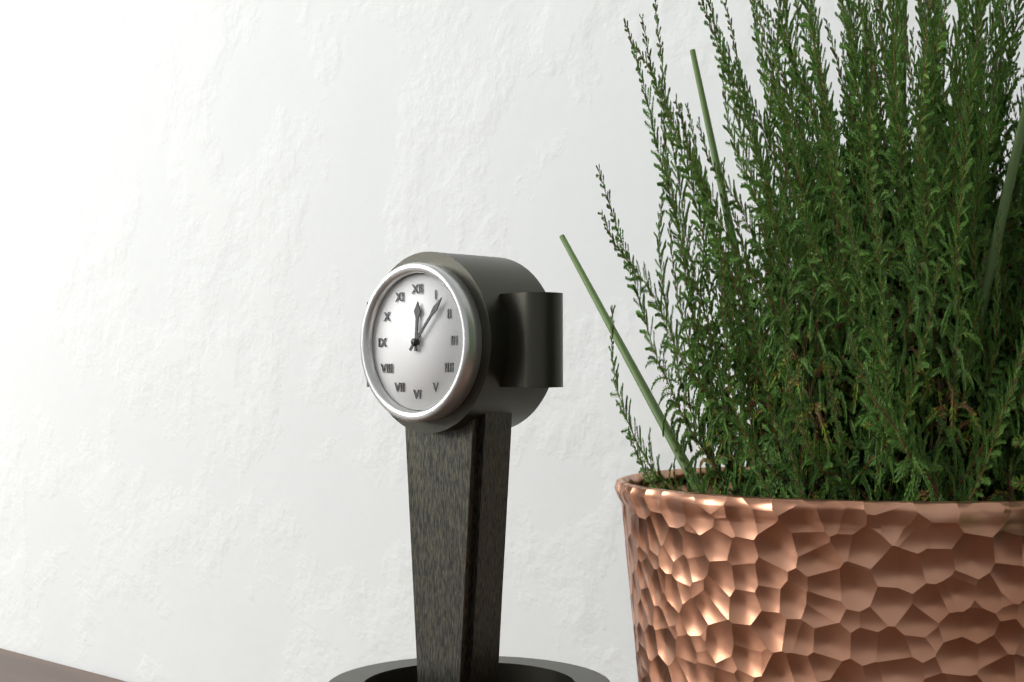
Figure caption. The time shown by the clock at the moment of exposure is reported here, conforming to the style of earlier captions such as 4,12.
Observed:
12,07
